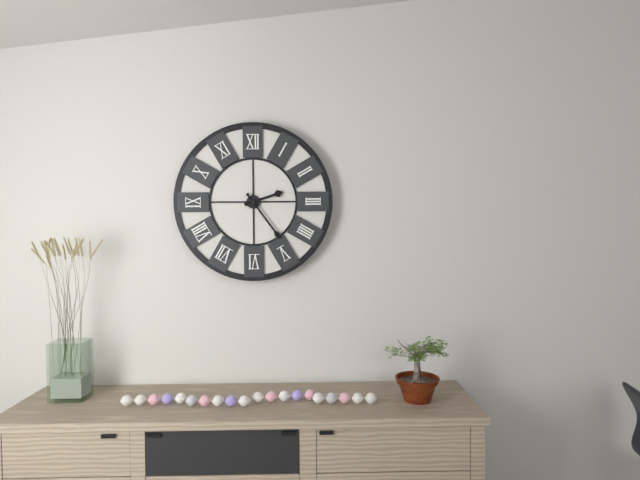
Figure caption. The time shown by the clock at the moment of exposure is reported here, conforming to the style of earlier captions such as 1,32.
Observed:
2,24
